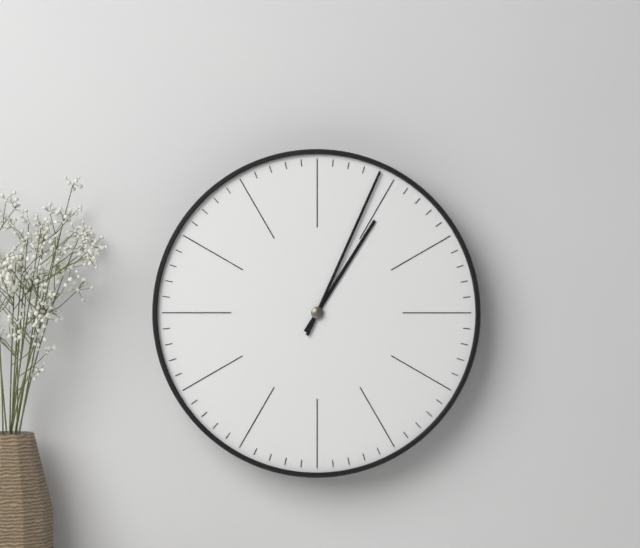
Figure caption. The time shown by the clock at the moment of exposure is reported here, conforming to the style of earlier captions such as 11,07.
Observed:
1,04
